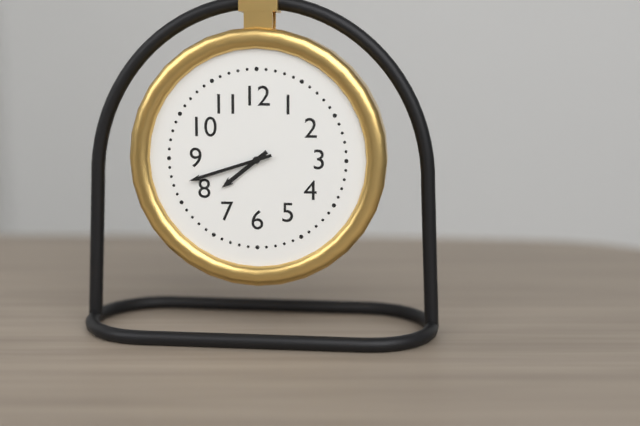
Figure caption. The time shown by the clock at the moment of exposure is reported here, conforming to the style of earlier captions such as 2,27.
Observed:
7,42
